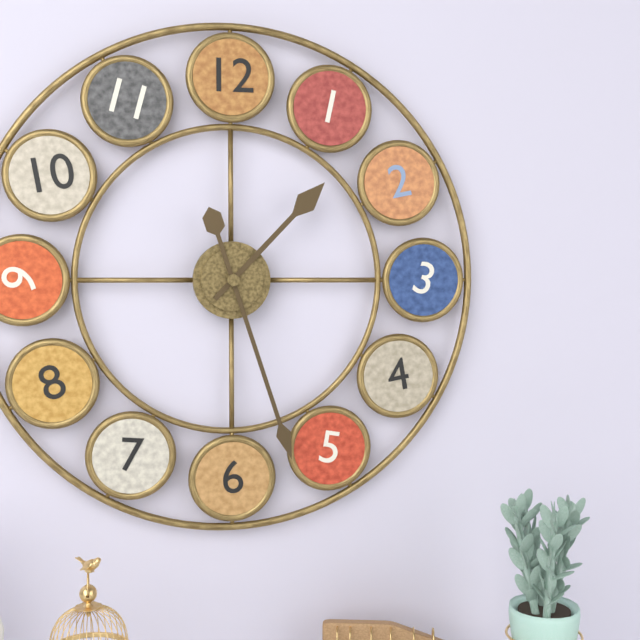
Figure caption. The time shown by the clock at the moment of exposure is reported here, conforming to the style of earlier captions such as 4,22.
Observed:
1,27
